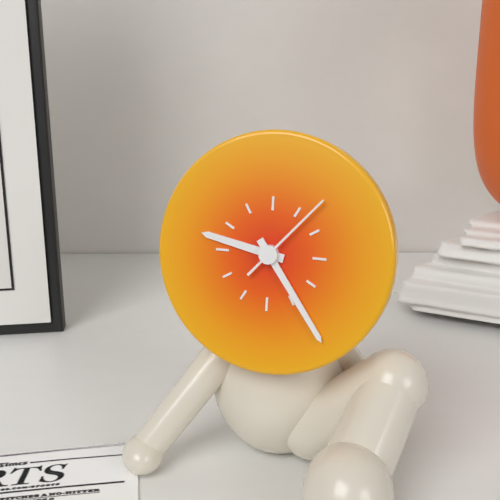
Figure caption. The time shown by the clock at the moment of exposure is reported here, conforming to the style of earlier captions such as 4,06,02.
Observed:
9,24,07
